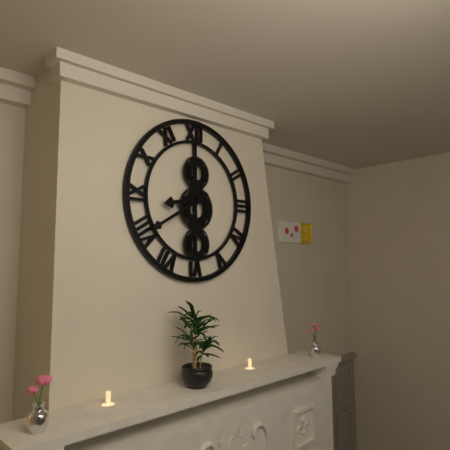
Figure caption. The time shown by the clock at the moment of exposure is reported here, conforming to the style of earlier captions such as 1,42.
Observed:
8,40
